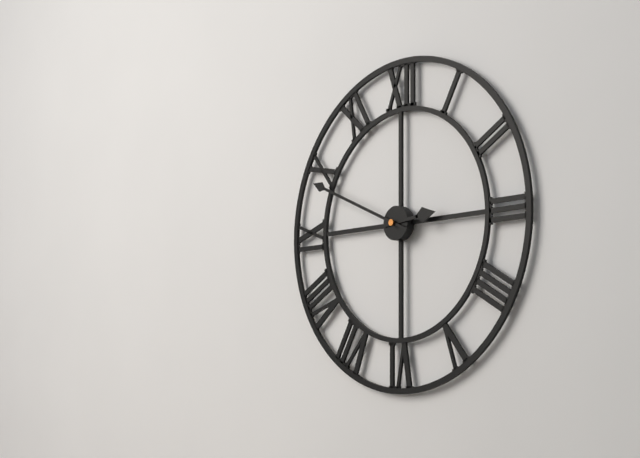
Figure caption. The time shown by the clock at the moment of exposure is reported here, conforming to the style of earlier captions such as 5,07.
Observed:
2,49
